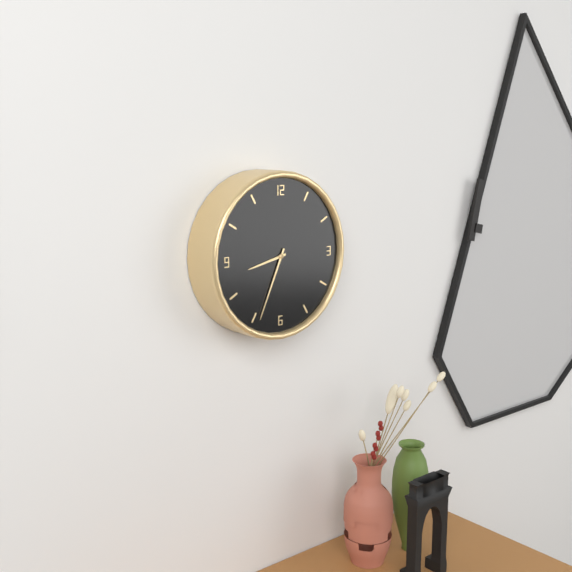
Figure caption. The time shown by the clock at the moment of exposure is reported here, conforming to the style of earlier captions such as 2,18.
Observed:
8,34
